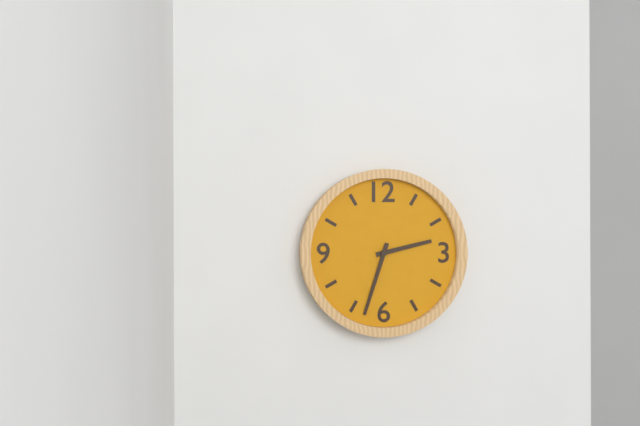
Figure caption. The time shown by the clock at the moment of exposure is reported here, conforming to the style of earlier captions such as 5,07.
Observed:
2,33
